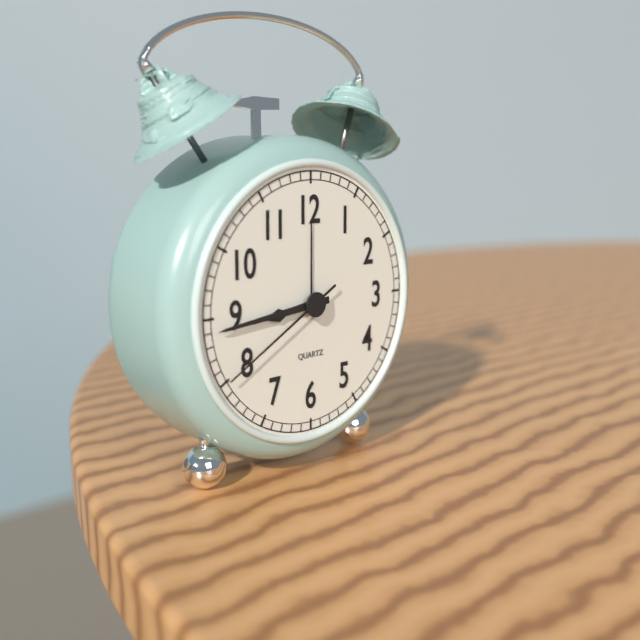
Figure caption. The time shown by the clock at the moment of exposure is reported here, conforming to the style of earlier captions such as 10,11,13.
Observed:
8,44,40
